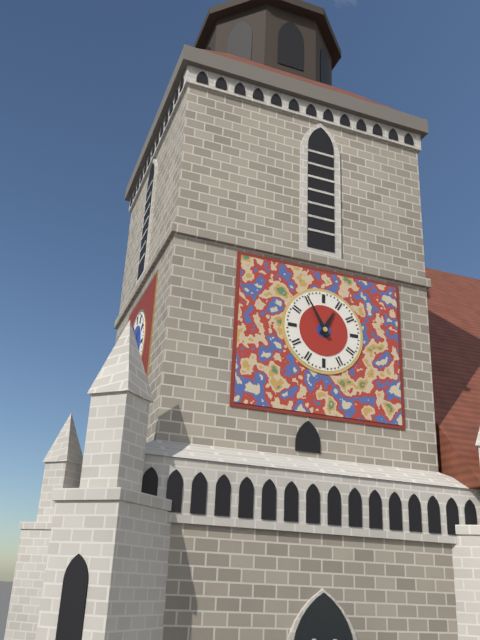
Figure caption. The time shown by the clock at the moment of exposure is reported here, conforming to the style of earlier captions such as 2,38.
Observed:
12,55
